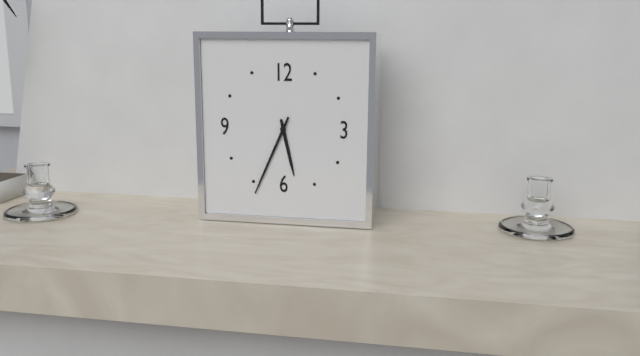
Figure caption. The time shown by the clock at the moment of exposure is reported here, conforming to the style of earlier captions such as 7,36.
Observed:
5,34
